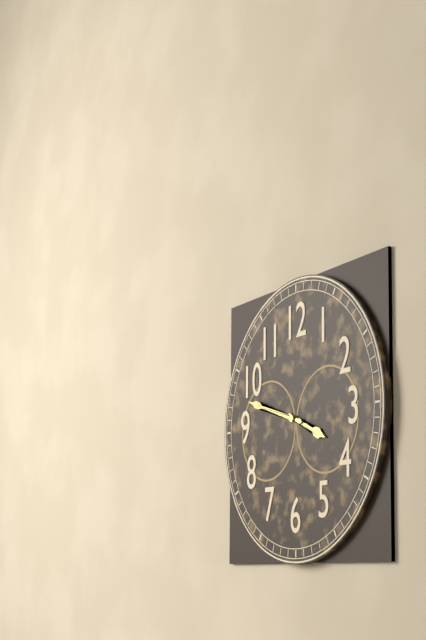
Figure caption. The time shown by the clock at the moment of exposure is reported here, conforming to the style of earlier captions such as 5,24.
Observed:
3,48
